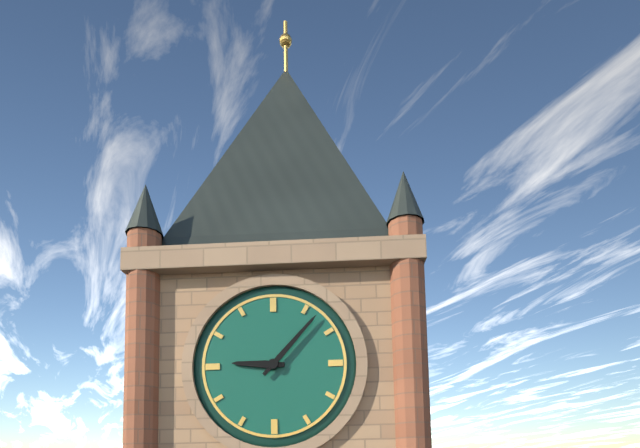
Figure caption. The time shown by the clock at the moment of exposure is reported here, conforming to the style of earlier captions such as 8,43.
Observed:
9,07
